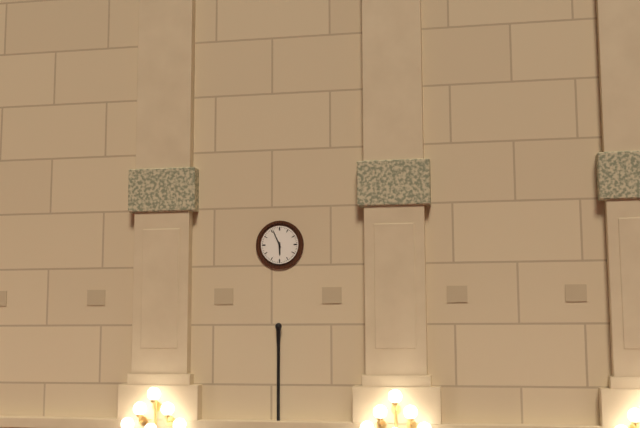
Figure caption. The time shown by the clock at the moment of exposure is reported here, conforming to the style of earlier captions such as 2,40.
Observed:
5,56
